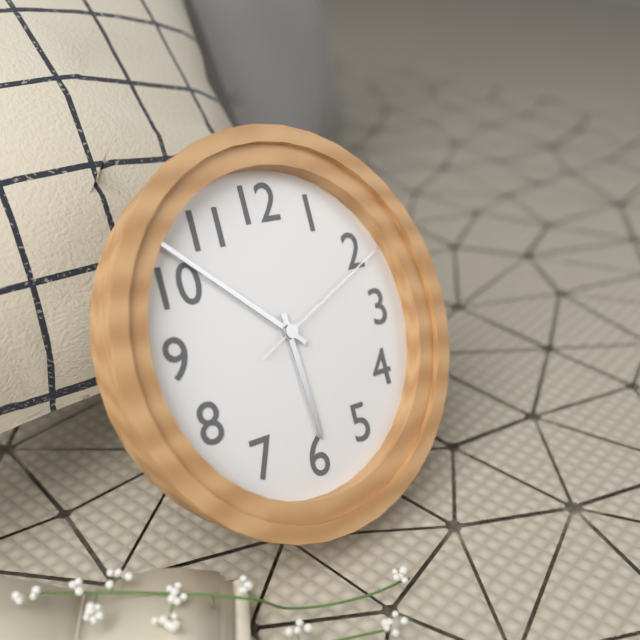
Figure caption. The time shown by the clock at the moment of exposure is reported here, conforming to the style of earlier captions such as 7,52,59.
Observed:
5,52,11
